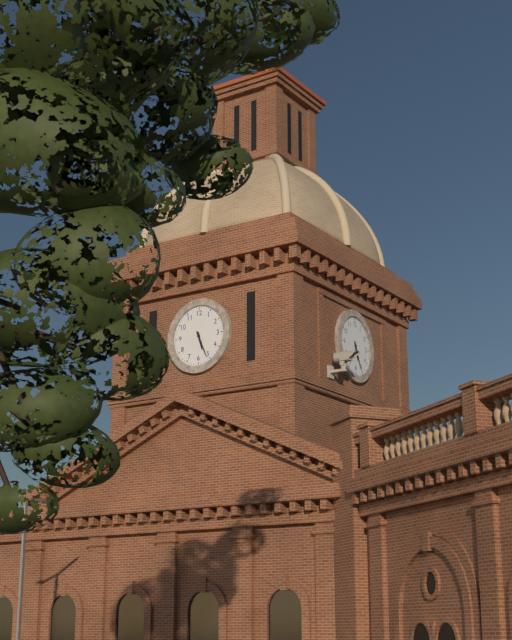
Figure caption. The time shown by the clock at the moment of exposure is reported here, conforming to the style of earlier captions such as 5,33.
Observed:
5,26
